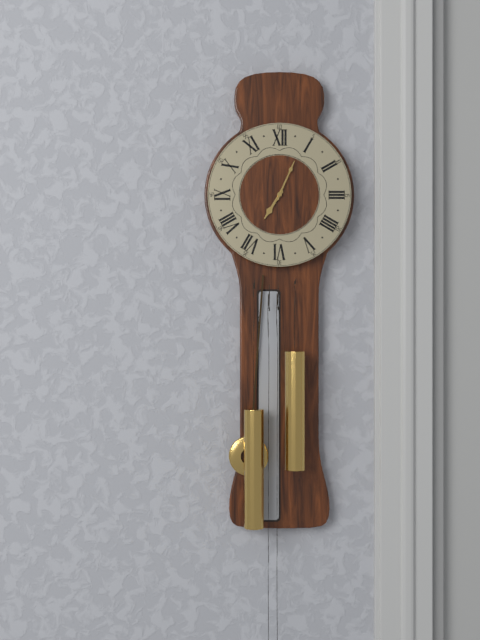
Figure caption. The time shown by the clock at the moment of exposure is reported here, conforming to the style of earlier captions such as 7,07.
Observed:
7,04
